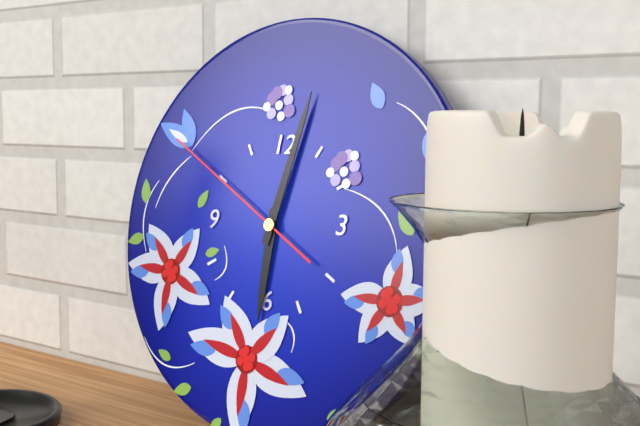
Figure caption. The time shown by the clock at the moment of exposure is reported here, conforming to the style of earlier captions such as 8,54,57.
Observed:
6,02,50
